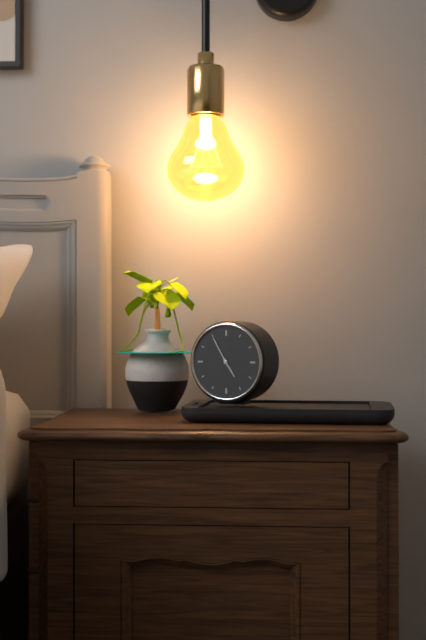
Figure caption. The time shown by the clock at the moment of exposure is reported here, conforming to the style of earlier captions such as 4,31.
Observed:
4,55
